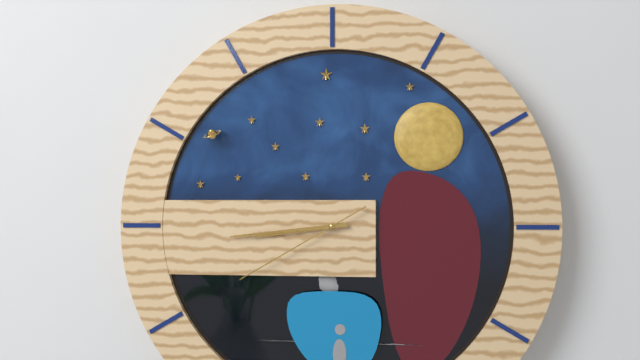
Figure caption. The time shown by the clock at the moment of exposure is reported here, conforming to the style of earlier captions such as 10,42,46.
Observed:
8,44,40
